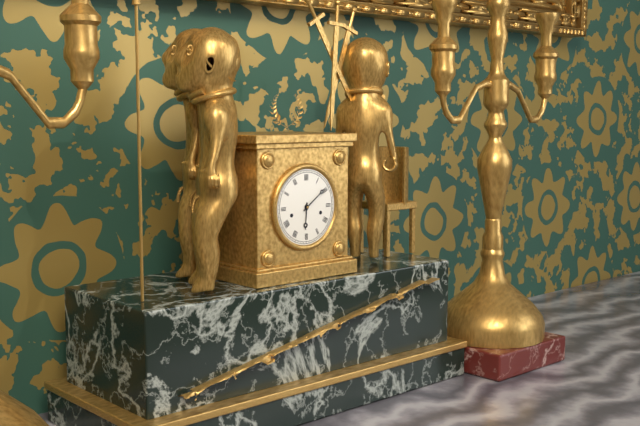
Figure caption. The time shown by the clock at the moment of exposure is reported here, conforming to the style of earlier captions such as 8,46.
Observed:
6,09
